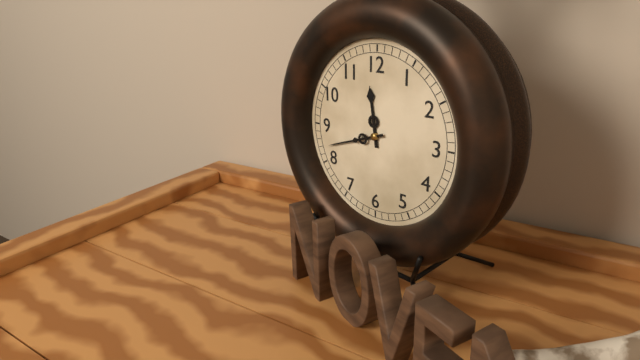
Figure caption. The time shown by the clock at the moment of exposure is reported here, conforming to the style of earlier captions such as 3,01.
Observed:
11,42
